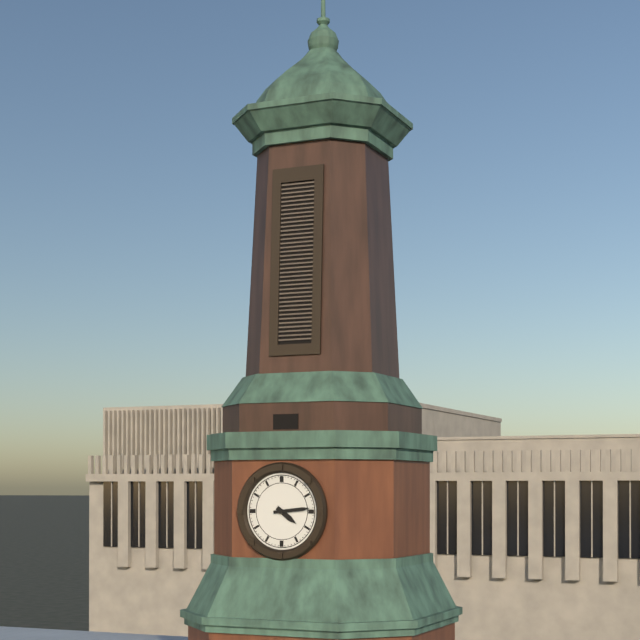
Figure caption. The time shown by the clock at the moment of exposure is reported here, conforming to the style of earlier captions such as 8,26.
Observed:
4,14
